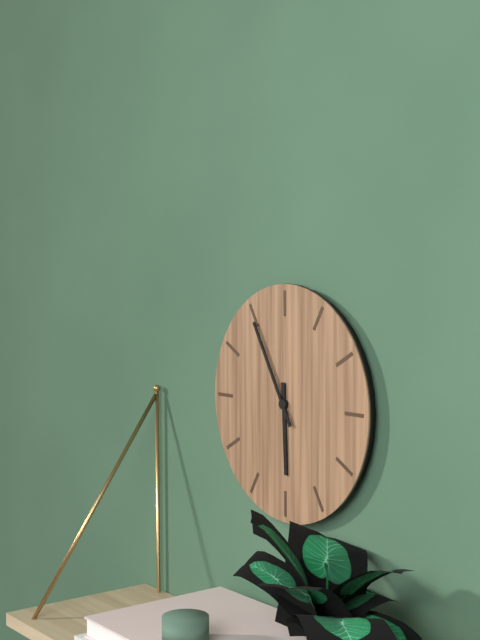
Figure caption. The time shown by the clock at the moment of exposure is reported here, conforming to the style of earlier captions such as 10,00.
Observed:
5,55
